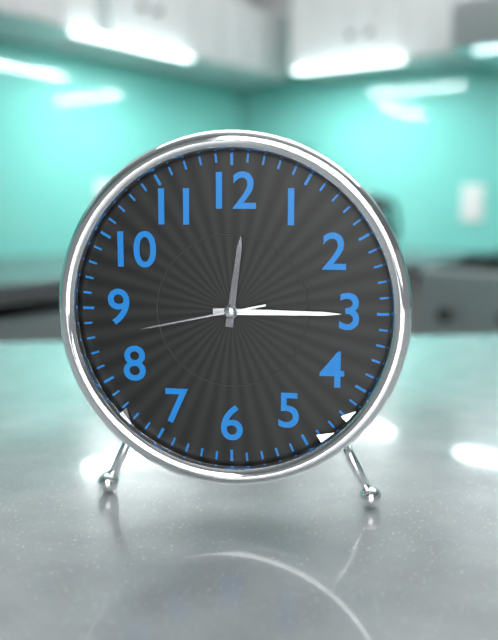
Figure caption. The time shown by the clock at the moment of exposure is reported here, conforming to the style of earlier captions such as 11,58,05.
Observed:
12,15,43
